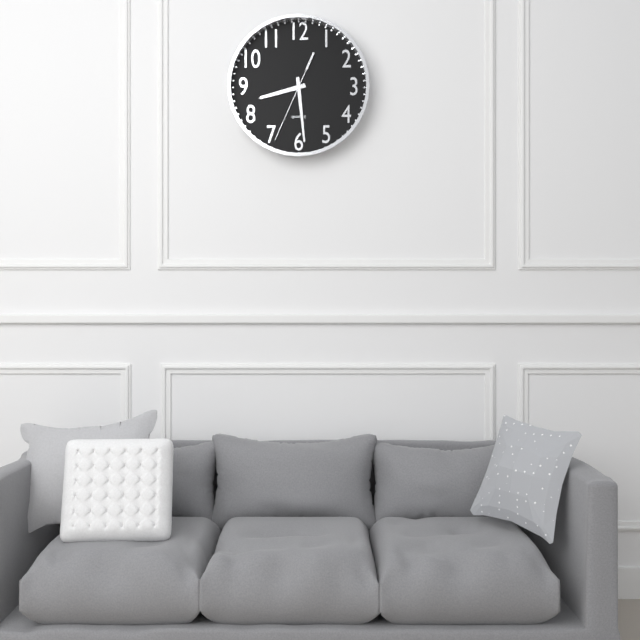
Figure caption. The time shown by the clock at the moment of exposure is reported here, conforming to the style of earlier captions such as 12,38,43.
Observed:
8,29,34
